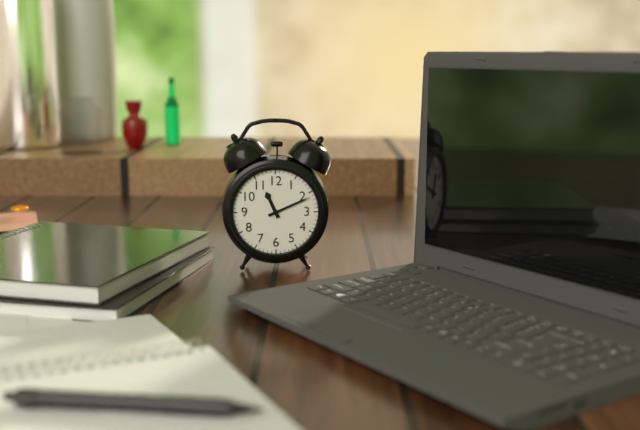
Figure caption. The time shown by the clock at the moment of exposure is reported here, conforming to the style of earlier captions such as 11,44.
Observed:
11,11
